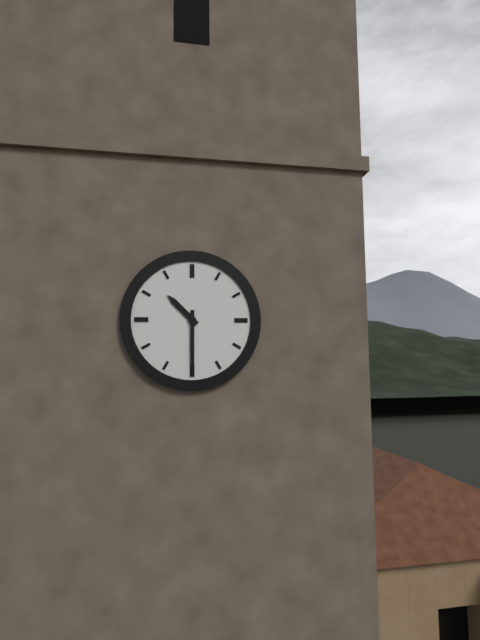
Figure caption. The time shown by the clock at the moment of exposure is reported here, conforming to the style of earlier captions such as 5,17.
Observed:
10,30
